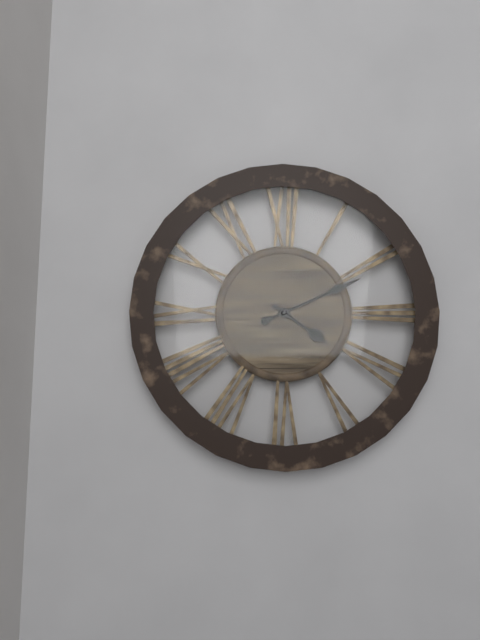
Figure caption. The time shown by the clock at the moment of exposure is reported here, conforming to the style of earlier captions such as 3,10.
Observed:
4,11
